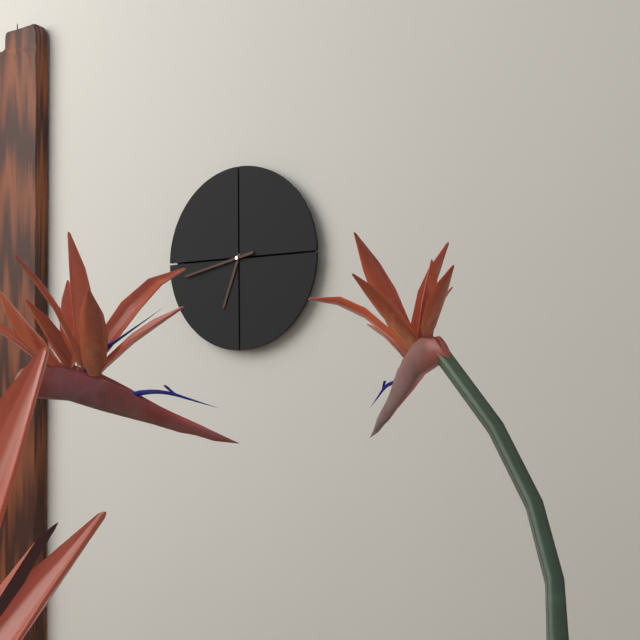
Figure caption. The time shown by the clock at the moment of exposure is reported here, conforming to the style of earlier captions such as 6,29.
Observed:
6,43
